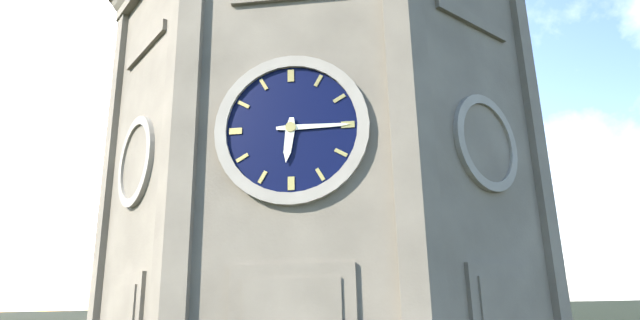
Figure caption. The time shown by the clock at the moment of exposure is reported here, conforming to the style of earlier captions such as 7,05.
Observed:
6,15
